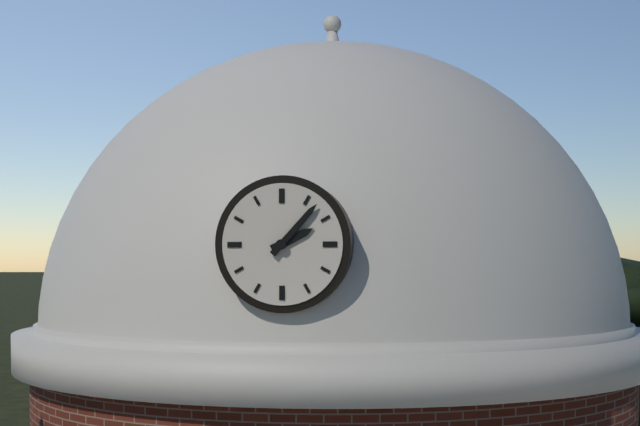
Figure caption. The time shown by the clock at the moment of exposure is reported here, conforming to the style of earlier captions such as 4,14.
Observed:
2,07
